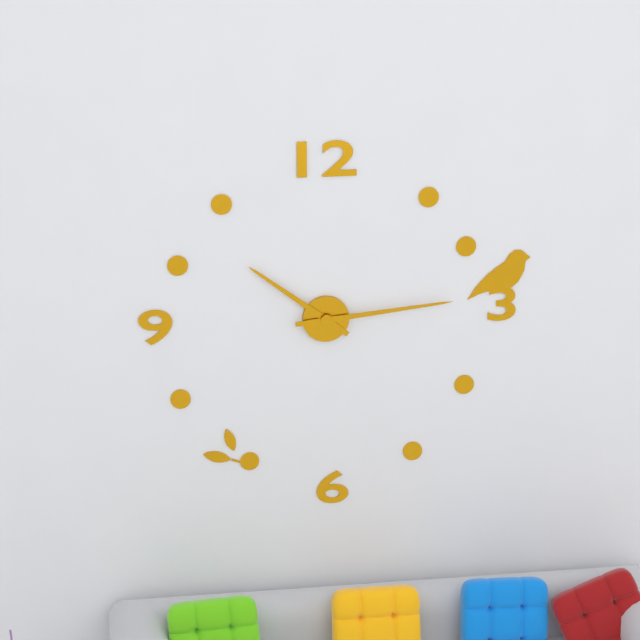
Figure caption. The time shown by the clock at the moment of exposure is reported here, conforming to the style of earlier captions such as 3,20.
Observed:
10,14
